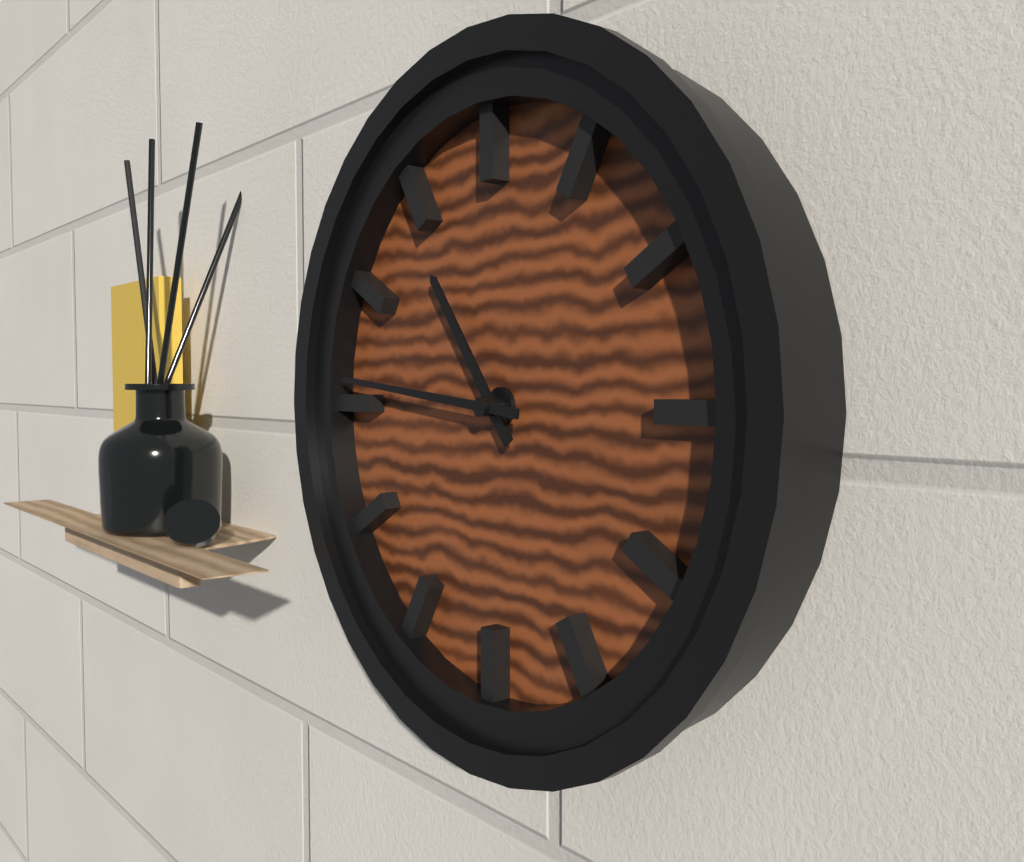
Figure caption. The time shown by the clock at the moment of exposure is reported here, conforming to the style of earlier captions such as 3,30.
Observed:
10,46
